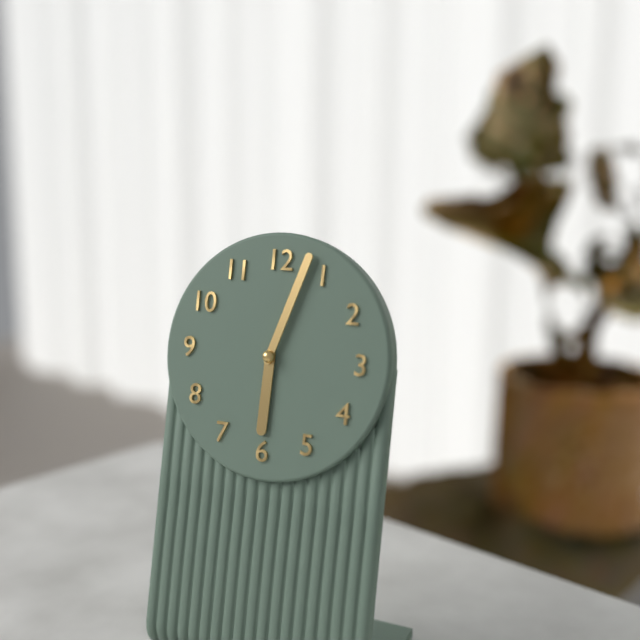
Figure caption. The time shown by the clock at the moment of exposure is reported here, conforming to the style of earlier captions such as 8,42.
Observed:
6,03
